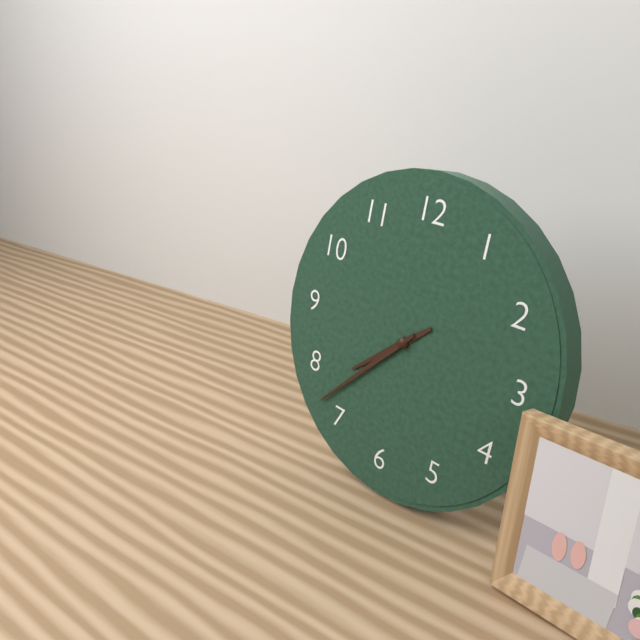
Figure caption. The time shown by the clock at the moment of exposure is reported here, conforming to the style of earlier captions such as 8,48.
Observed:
7,37
